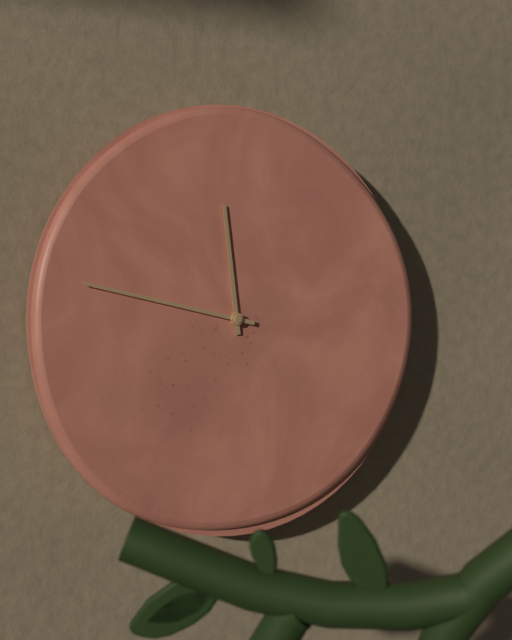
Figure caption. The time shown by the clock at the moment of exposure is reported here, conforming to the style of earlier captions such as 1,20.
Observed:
11,47
